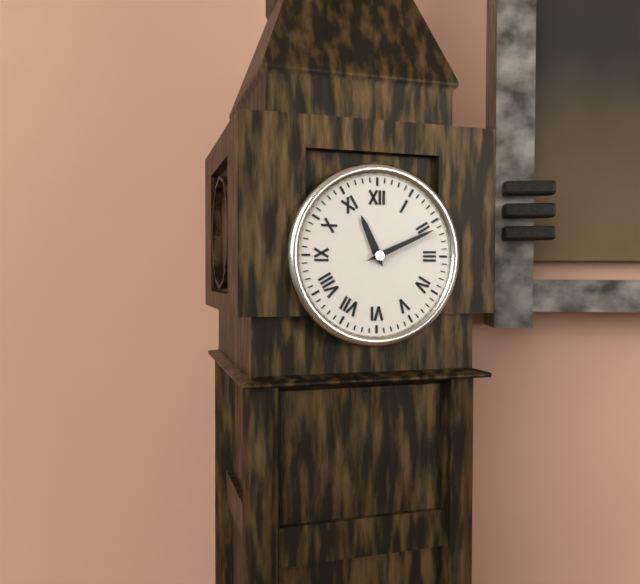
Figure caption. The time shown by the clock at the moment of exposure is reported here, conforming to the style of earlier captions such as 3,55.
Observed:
11,11
